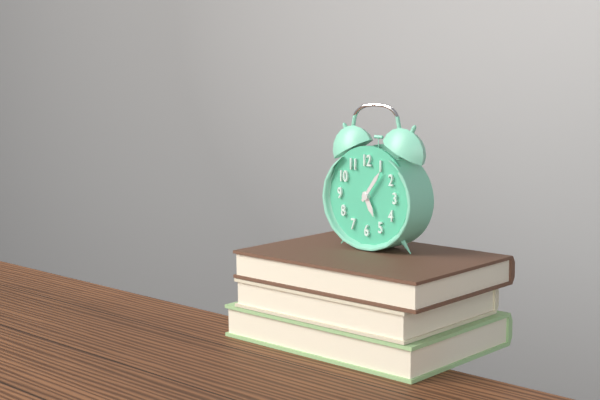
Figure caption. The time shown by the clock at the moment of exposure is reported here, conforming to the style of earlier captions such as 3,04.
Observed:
5,06
